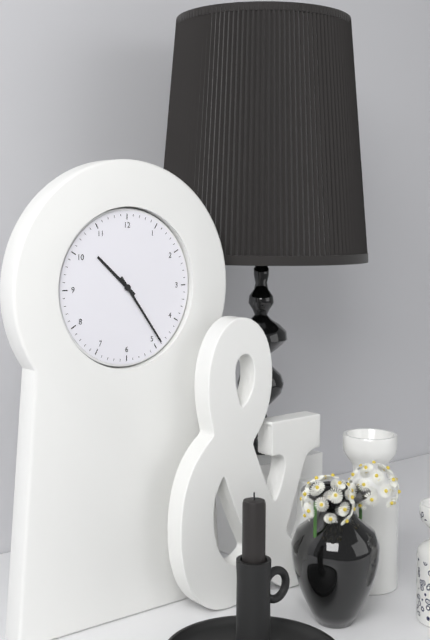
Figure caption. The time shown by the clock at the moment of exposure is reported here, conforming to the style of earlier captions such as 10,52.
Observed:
10,24
